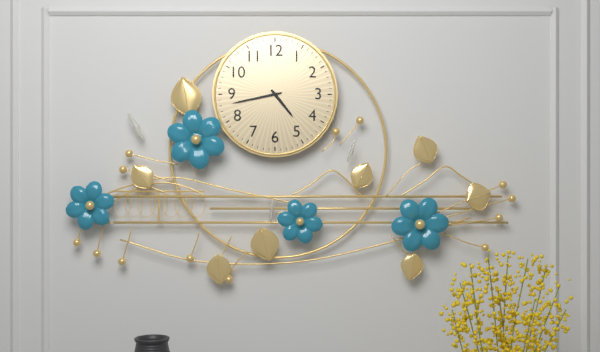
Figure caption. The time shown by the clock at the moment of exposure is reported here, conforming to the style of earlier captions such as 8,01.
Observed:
4,43
